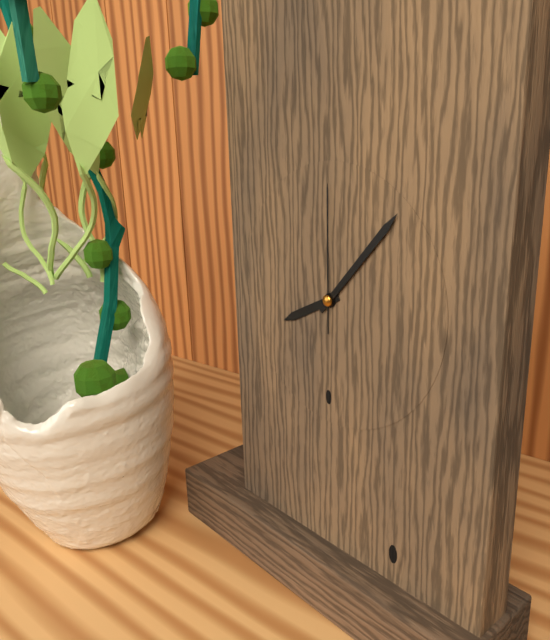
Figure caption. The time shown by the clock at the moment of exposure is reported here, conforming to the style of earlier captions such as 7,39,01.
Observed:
8,07,00
